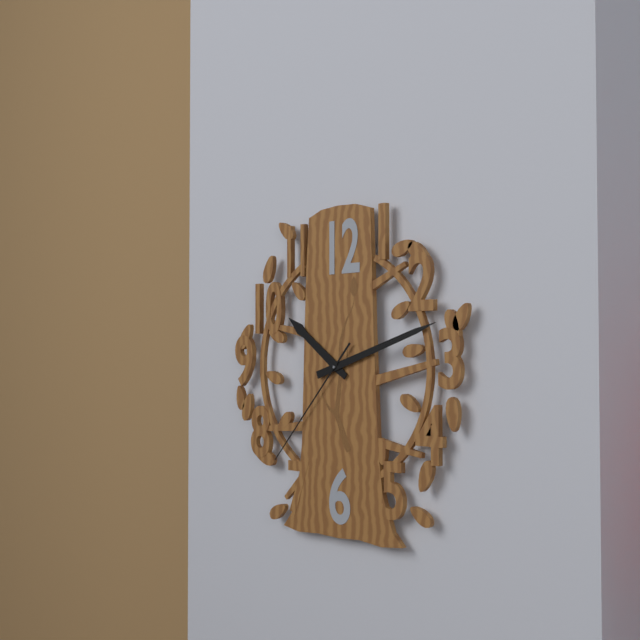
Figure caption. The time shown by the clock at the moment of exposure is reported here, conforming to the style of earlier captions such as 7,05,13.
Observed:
10,12,37
